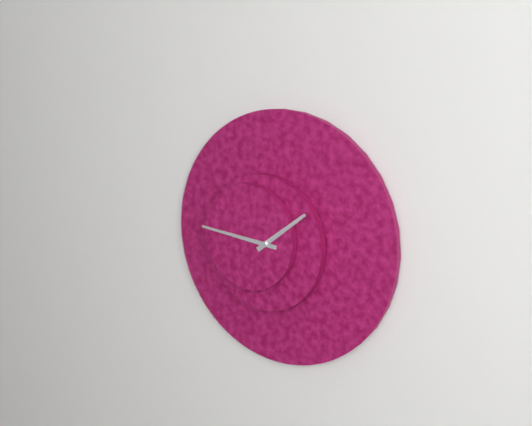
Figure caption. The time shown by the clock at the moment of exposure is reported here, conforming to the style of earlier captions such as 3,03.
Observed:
1,46
